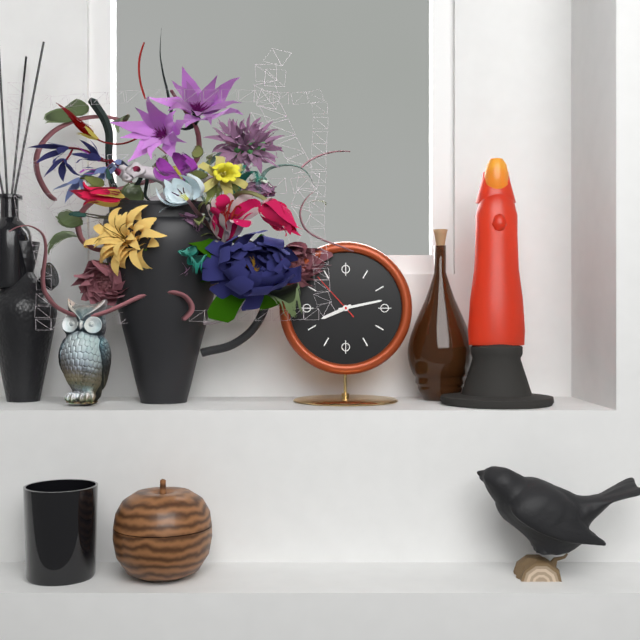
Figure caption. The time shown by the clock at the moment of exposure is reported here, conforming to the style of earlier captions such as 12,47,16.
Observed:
8,13,53
